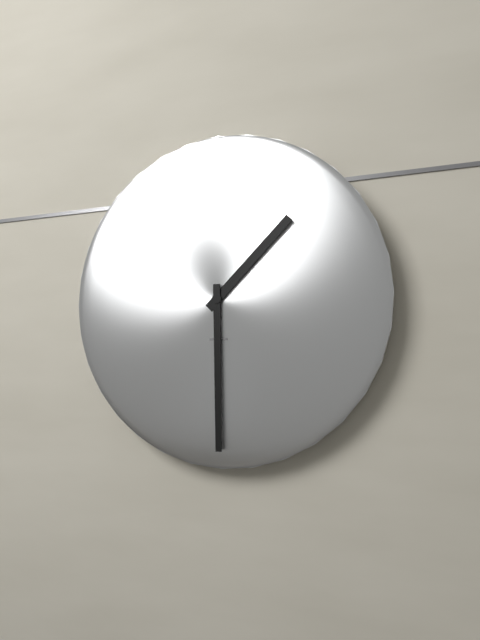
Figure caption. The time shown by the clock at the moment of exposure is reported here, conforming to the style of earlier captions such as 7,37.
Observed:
1,30
